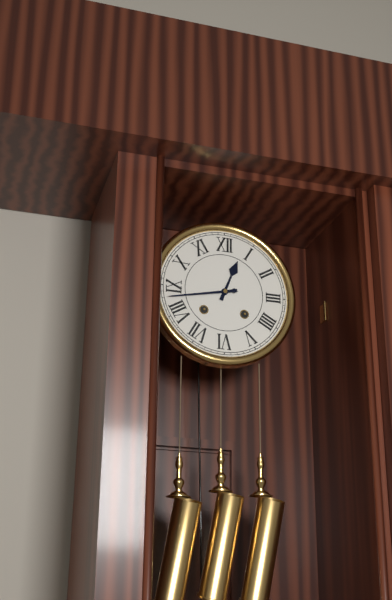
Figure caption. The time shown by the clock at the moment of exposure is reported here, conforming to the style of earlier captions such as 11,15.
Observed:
12,43
